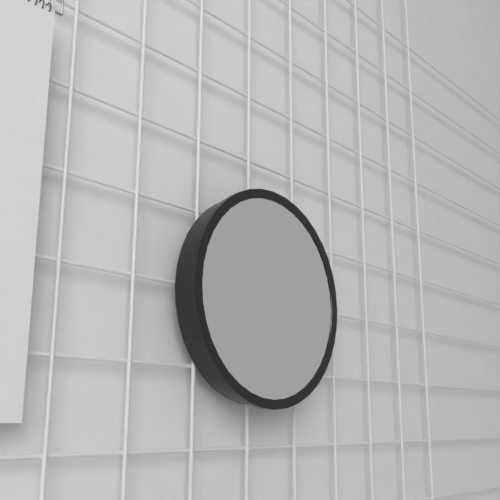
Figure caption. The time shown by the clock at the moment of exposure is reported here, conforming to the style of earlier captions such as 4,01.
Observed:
9,34
